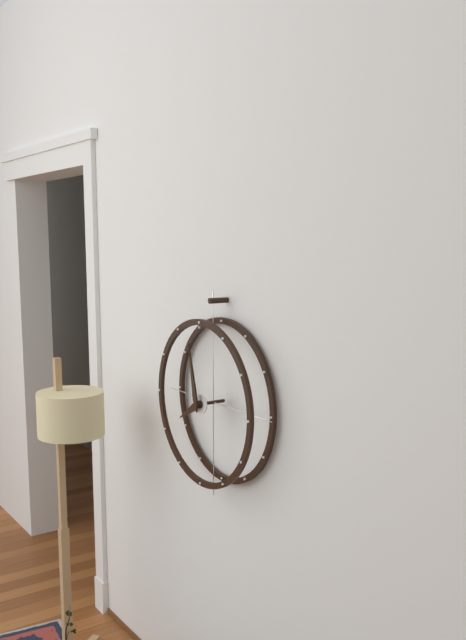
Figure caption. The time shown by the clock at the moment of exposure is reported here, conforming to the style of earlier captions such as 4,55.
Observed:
7,58
